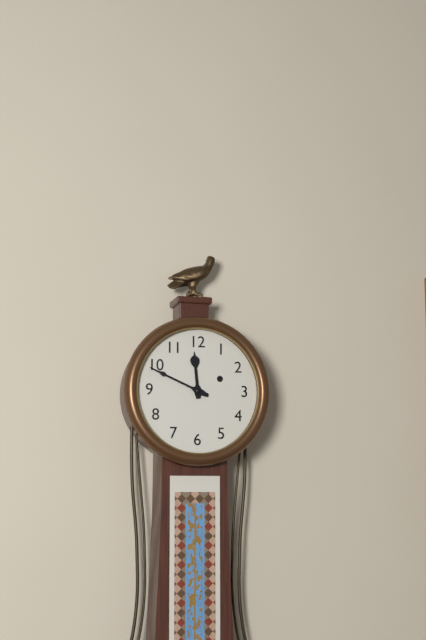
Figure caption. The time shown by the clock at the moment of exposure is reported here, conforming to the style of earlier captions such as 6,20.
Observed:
11,49
